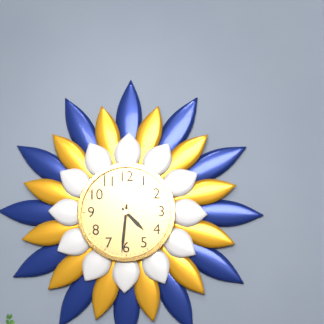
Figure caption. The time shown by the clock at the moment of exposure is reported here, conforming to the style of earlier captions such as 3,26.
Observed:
4,31
